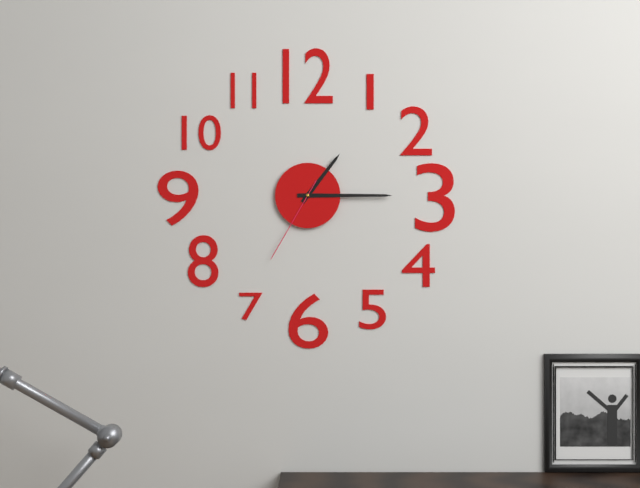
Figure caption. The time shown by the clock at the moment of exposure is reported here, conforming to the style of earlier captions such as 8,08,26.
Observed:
1,15,35
